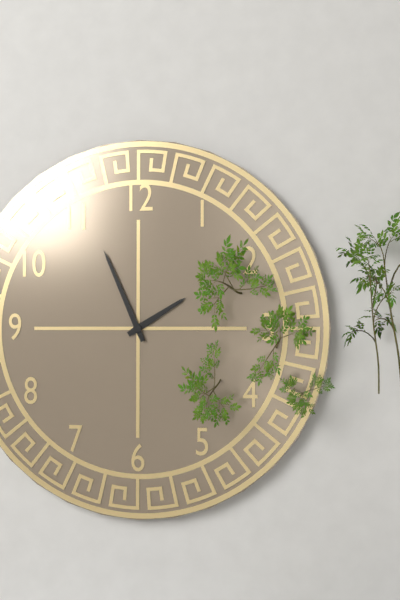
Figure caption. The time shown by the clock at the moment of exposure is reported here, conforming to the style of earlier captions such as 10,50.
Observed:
1,56
